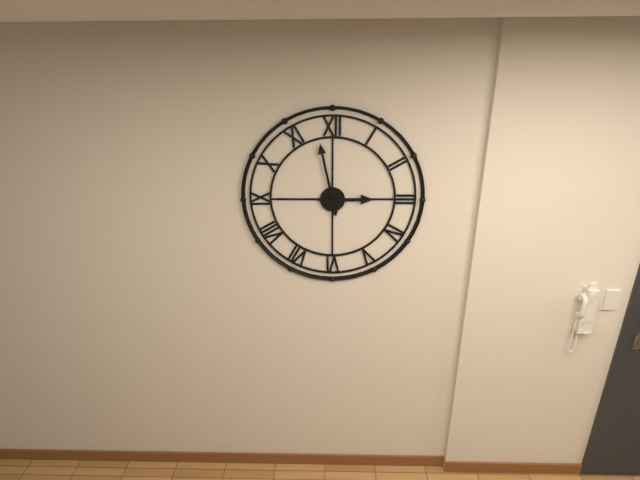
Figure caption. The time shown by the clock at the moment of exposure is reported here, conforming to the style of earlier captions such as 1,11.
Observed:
2,58
